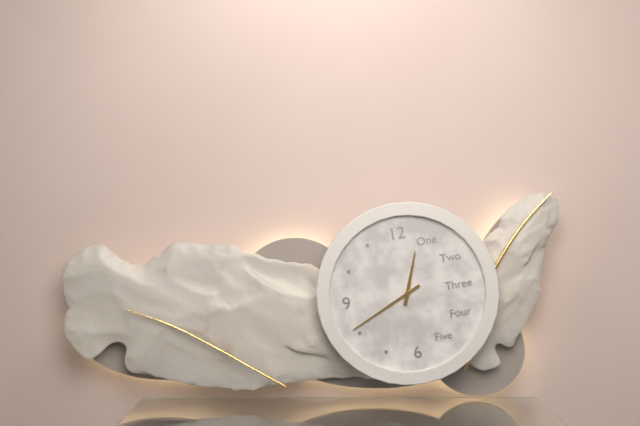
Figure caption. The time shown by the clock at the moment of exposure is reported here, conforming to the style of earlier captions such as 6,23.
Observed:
12,41
